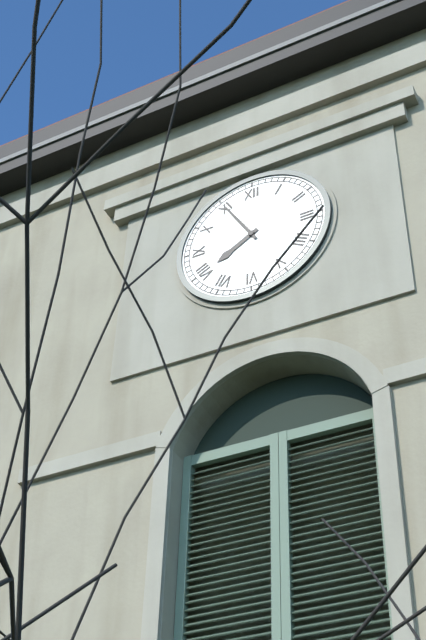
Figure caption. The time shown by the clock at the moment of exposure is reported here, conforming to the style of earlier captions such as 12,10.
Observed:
7,55
